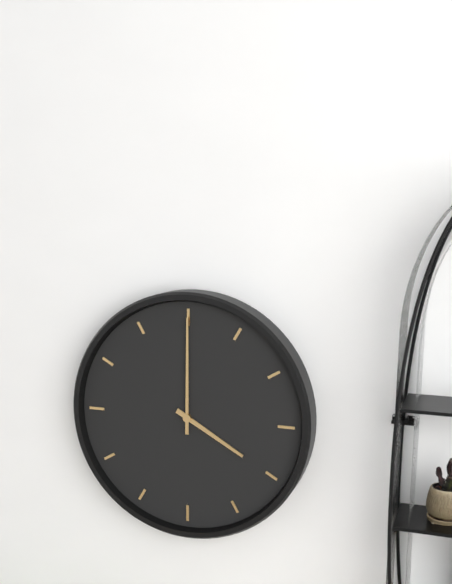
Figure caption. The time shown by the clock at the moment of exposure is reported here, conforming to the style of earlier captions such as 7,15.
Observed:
4,00
